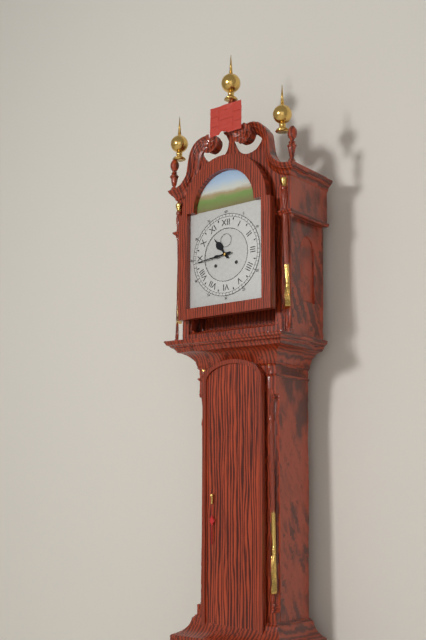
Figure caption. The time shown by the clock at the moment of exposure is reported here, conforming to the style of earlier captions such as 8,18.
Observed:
10,44
